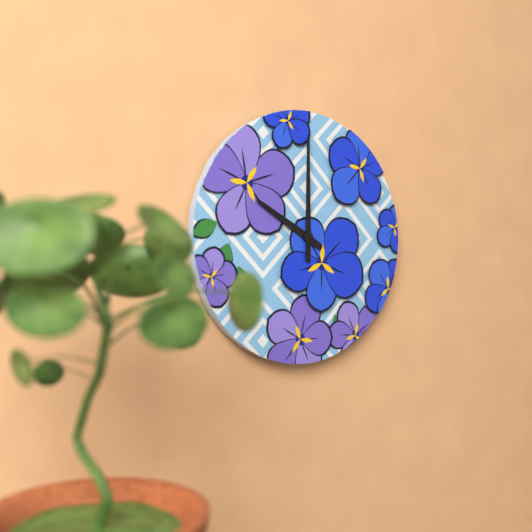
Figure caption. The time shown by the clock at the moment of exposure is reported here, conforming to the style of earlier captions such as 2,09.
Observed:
10,00
